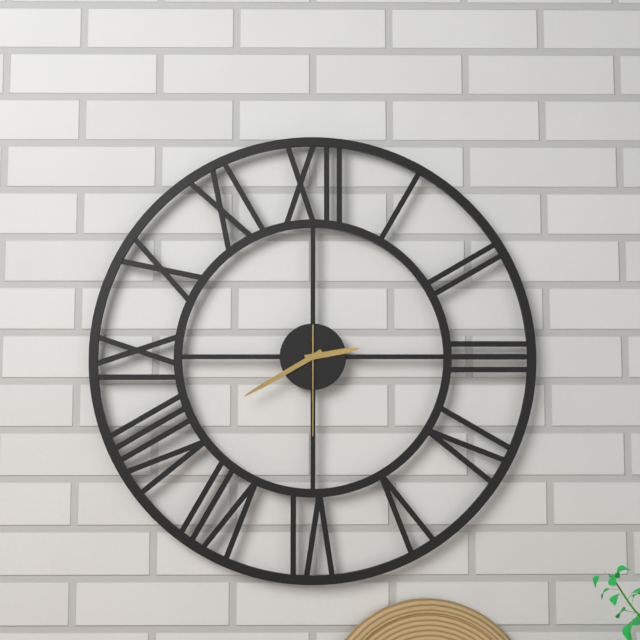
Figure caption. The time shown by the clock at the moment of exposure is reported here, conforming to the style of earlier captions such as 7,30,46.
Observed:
2,40,30
